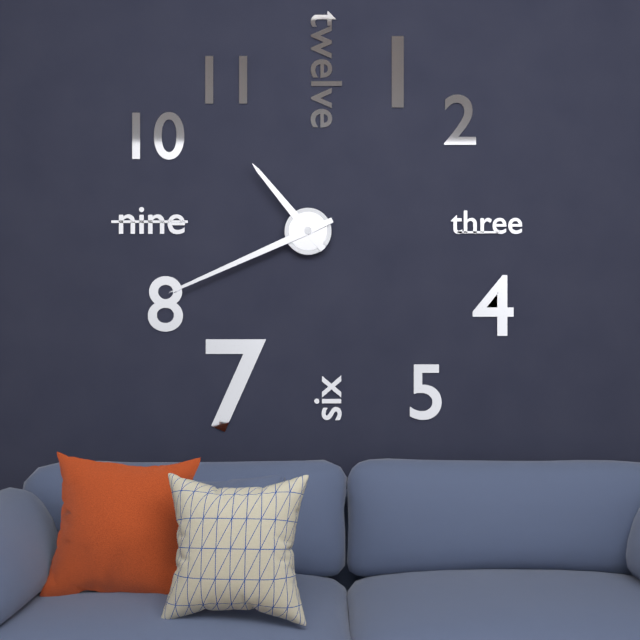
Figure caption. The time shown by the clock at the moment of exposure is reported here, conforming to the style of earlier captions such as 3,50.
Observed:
10,41
